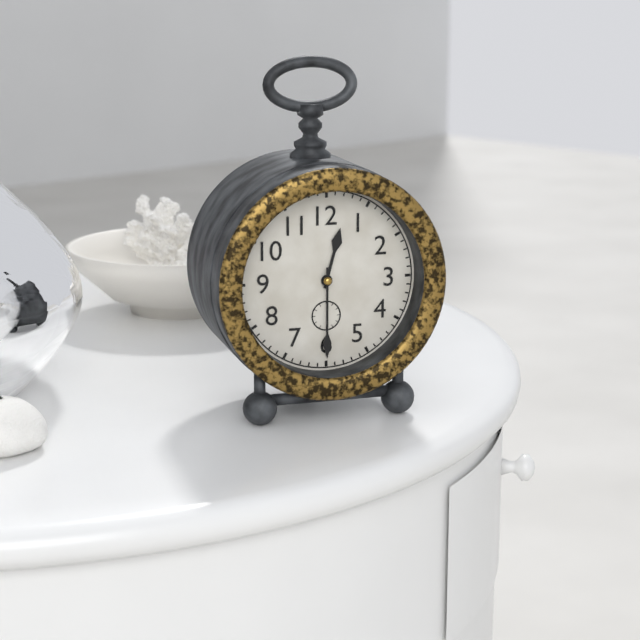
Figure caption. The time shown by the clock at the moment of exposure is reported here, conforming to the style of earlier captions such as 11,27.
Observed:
12,30
